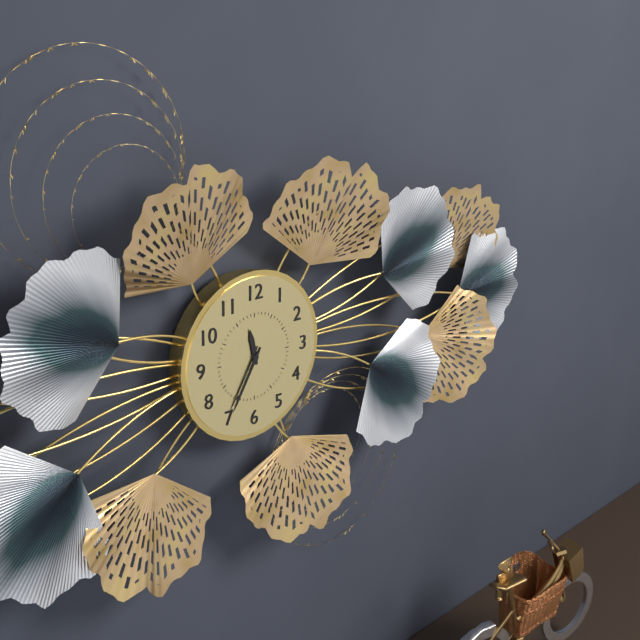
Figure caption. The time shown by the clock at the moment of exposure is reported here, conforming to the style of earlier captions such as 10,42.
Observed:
11,35
